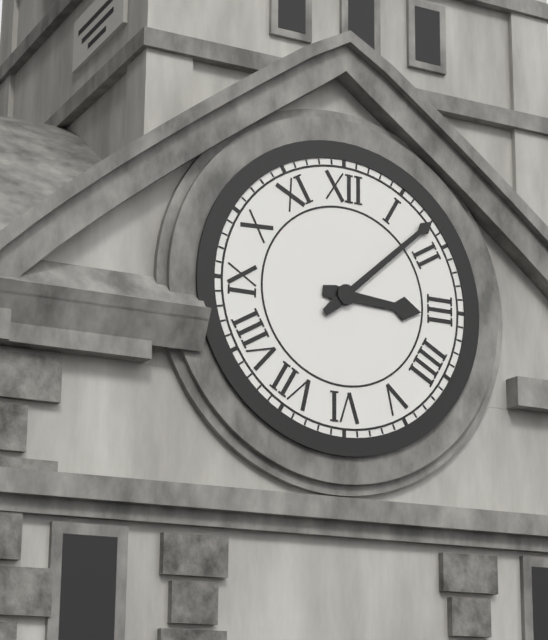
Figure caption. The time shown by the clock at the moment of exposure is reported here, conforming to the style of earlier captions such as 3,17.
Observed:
3,08
